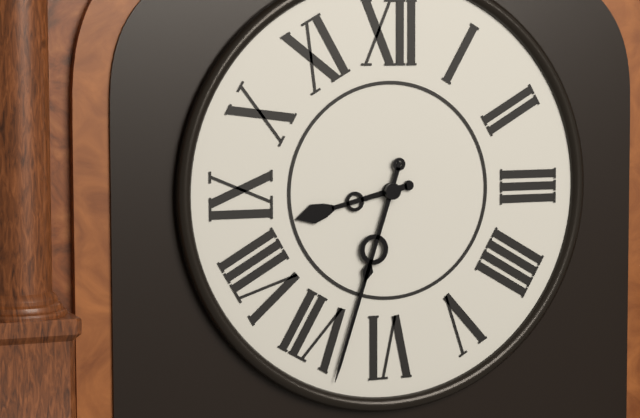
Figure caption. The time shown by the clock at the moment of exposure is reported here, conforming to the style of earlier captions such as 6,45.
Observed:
8,33
